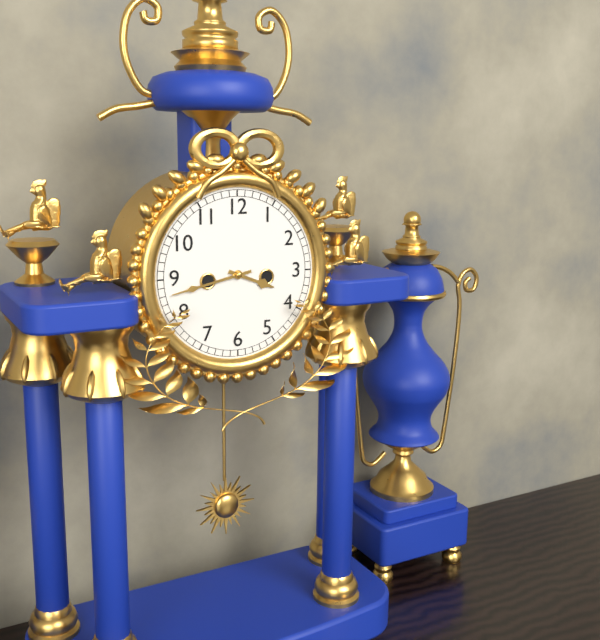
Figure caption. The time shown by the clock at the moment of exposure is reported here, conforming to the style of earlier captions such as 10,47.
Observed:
3,43
